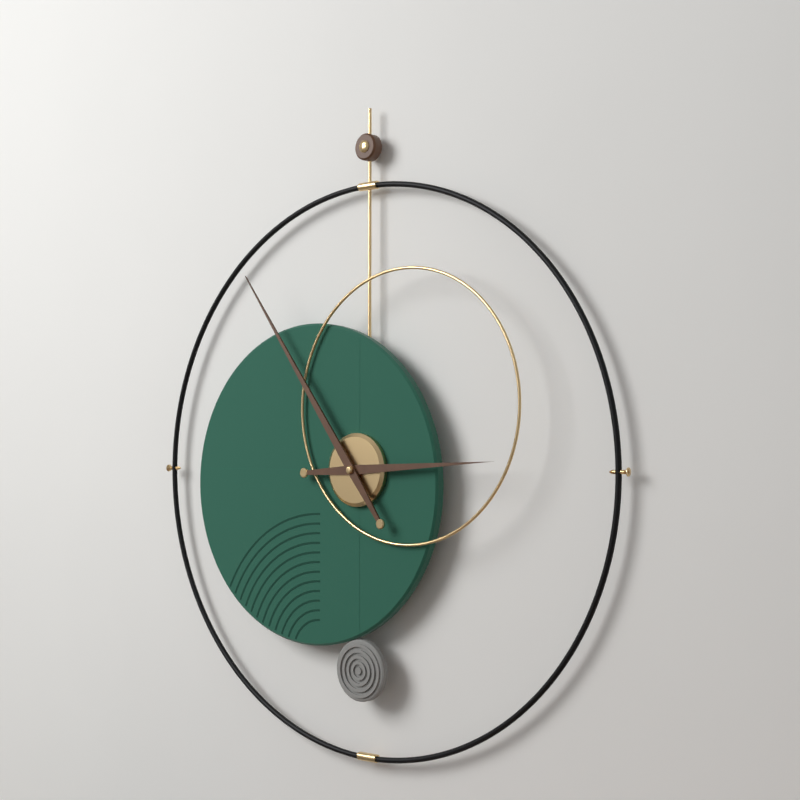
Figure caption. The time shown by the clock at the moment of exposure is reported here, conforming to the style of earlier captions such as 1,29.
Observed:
2,54
